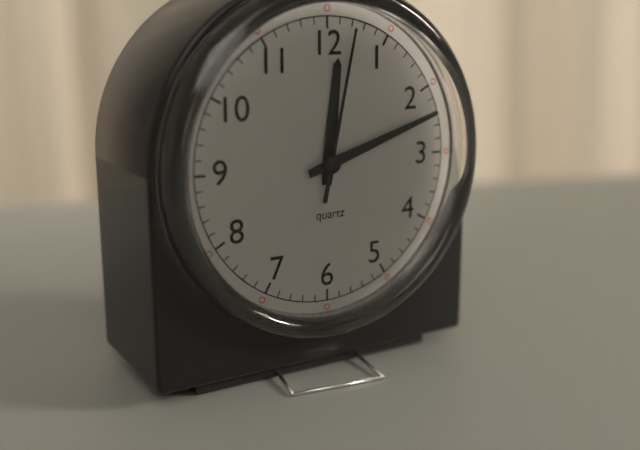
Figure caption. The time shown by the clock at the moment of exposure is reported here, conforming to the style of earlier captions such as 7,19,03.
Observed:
12,12,02
